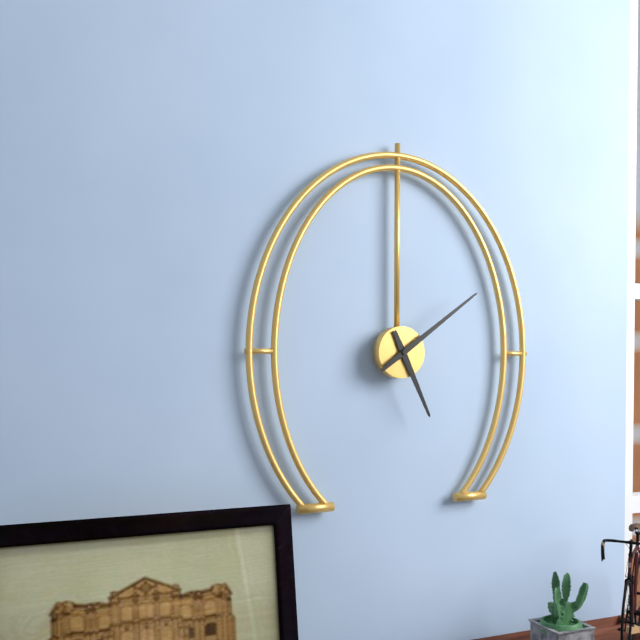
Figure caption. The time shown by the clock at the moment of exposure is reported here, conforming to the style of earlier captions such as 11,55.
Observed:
5,09
